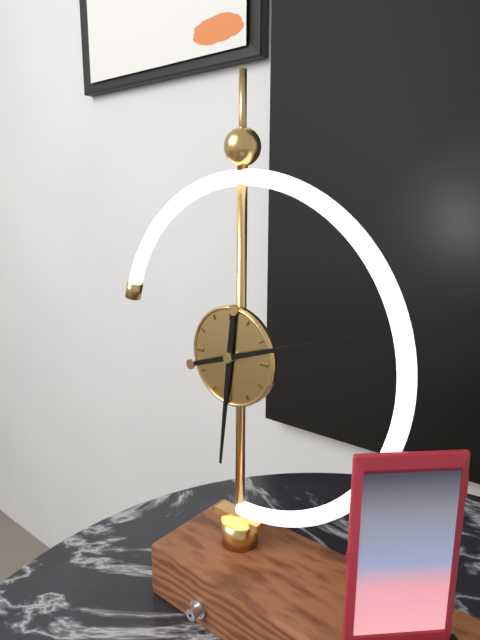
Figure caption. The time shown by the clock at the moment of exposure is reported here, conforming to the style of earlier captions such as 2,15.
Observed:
6,12
